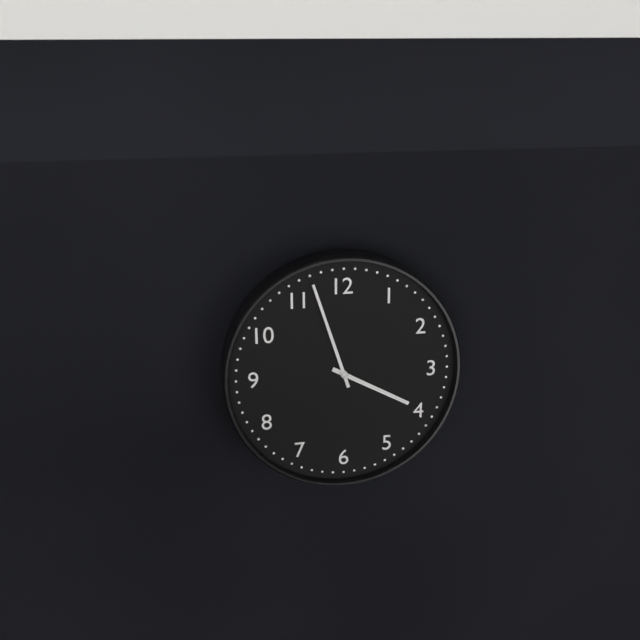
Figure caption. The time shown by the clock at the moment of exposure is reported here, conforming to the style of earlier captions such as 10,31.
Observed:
3,57
